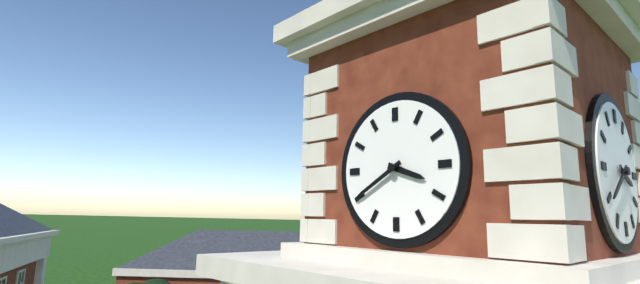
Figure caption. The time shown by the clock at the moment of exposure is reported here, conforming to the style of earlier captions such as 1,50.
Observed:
3,40
